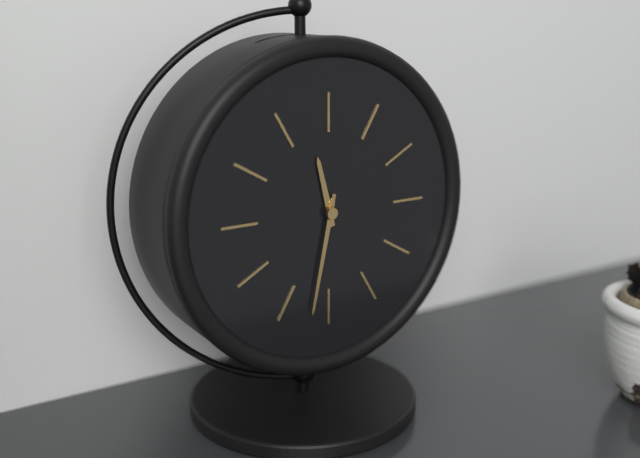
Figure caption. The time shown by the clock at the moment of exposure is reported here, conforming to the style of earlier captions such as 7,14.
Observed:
11,32
